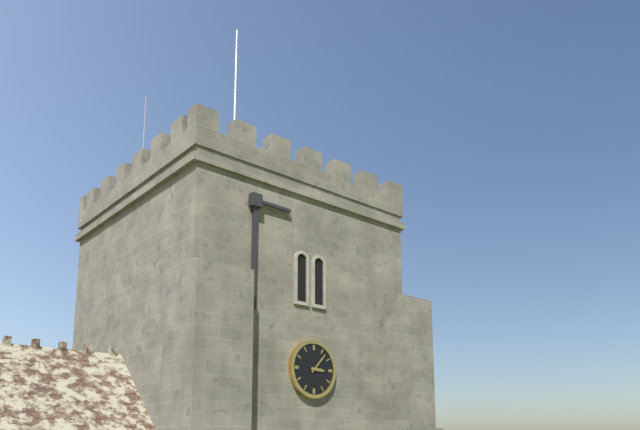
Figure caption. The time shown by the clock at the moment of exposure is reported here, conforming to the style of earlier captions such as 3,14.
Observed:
3,07
